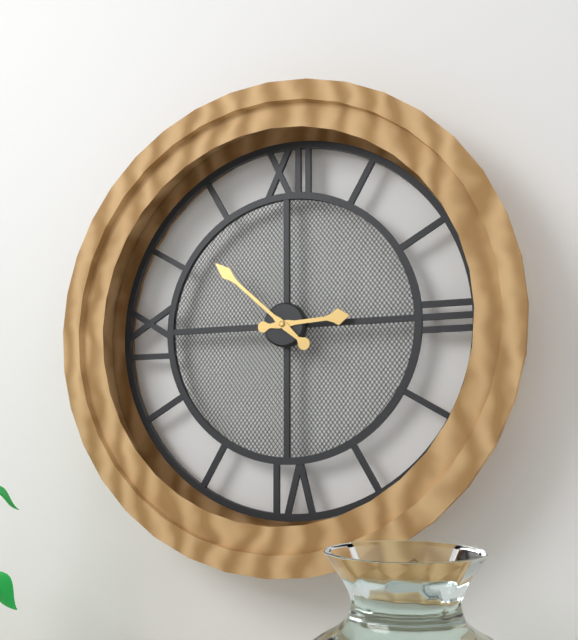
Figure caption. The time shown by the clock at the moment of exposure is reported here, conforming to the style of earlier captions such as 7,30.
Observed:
2,52
